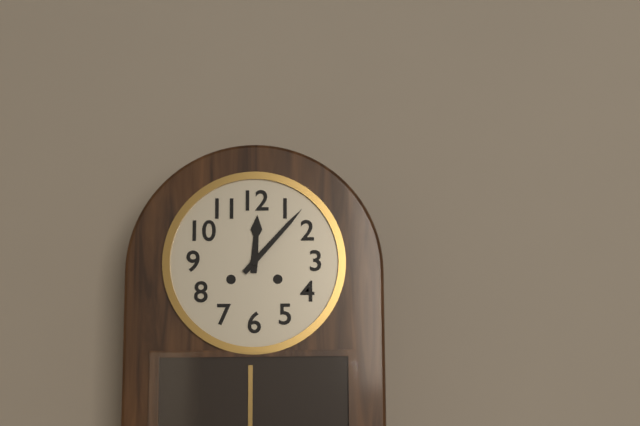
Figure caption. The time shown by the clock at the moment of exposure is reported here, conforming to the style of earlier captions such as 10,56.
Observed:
12,07
